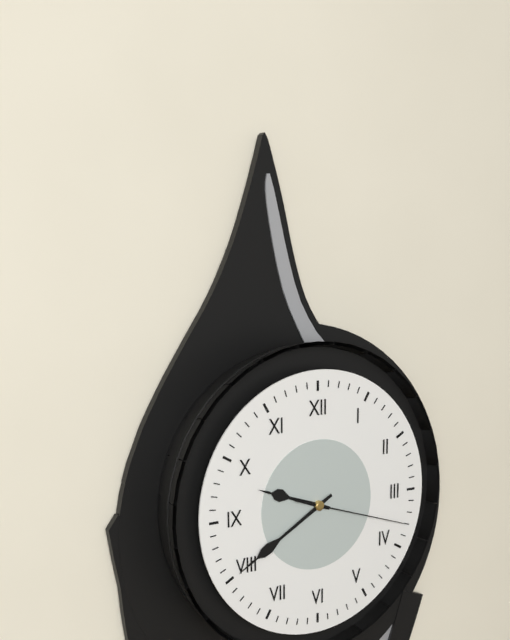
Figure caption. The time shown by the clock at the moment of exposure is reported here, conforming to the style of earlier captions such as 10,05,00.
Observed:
9,40,18
